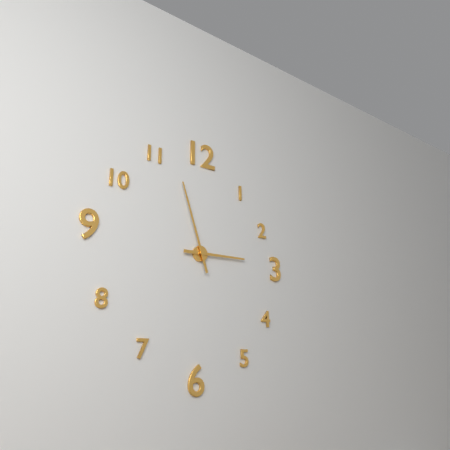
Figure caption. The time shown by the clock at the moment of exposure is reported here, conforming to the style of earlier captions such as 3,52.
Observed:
2,57
